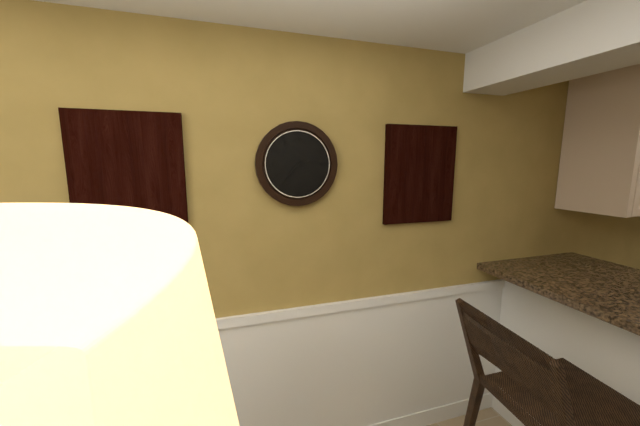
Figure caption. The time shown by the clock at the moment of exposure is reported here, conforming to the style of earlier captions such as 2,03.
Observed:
2,37
